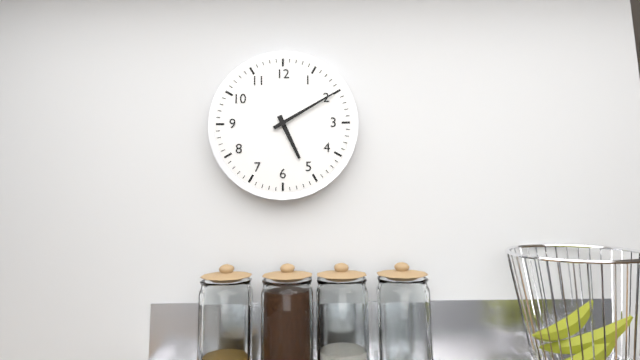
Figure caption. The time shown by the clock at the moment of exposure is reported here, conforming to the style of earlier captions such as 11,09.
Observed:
5,10
